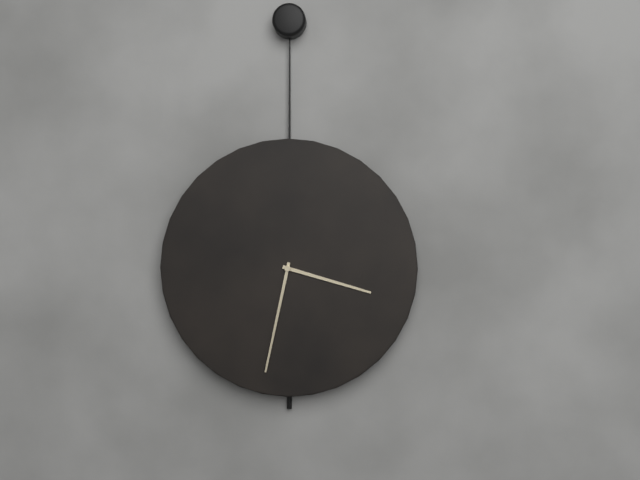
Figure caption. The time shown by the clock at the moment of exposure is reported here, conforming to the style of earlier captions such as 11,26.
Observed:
3,32
